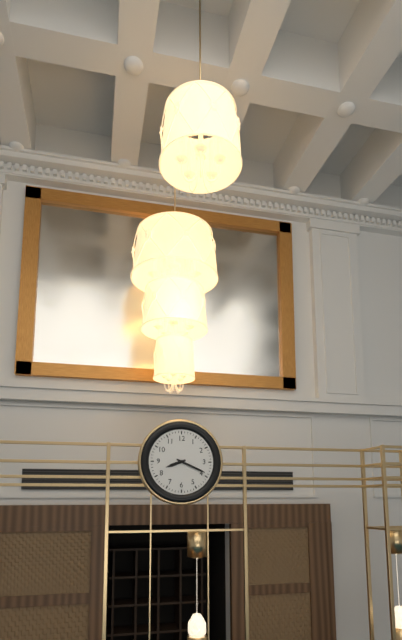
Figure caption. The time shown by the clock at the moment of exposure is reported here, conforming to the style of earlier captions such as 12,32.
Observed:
8,19
